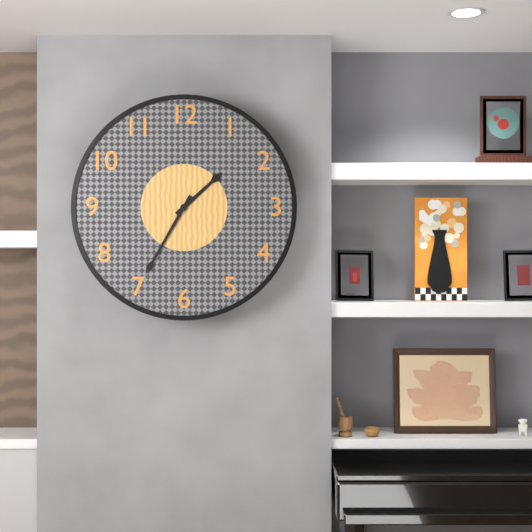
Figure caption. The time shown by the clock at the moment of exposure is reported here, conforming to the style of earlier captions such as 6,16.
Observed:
1,35
